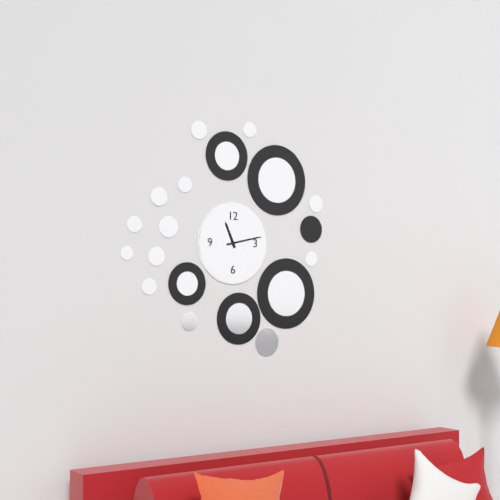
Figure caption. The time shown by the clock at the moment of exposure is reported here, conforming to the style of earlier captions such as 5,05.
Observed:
11,13
